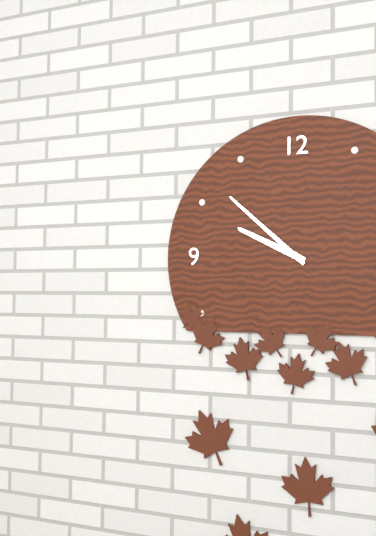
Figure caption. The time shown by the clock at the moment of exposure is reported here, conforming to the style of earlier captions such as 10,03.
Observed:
9,52
